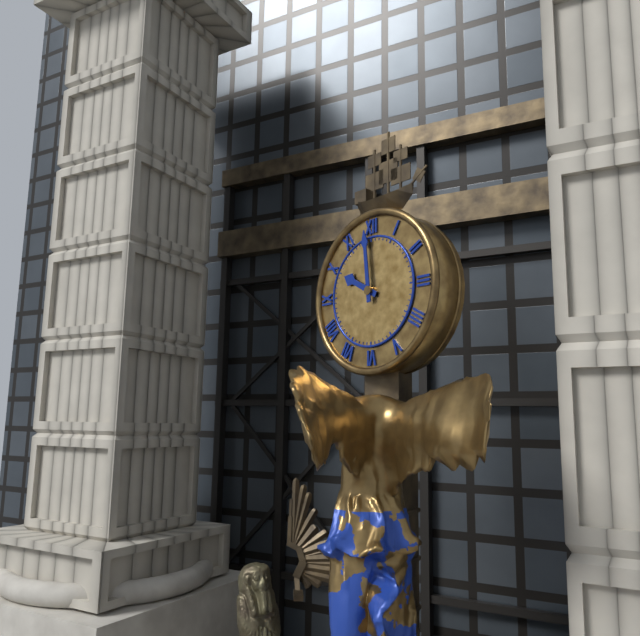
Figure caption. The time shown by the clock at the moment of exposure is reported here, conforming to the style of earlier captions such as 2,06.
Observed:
9,59
